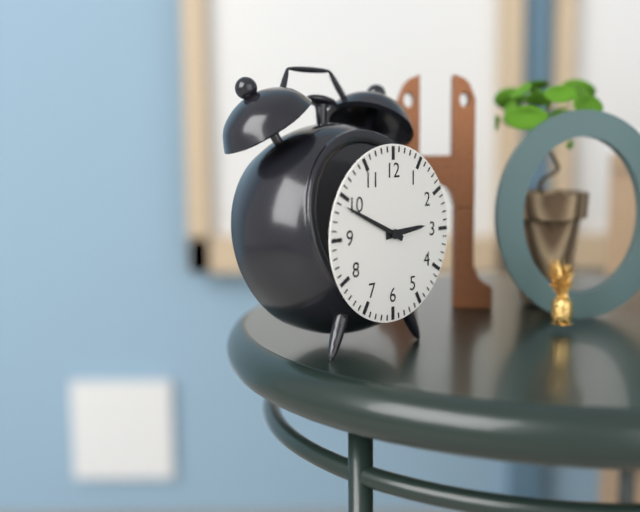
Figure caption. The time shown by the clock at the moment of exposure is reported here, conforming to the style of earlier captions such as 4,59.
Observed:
2,49
